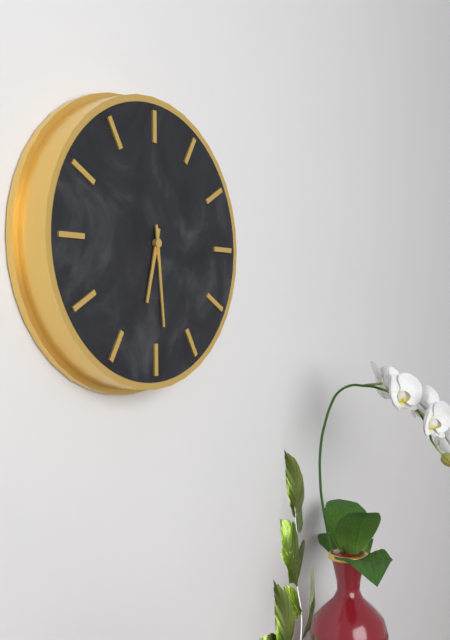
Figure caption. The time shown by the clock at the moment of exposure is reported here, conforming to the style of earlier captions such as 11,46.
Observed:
6,29
